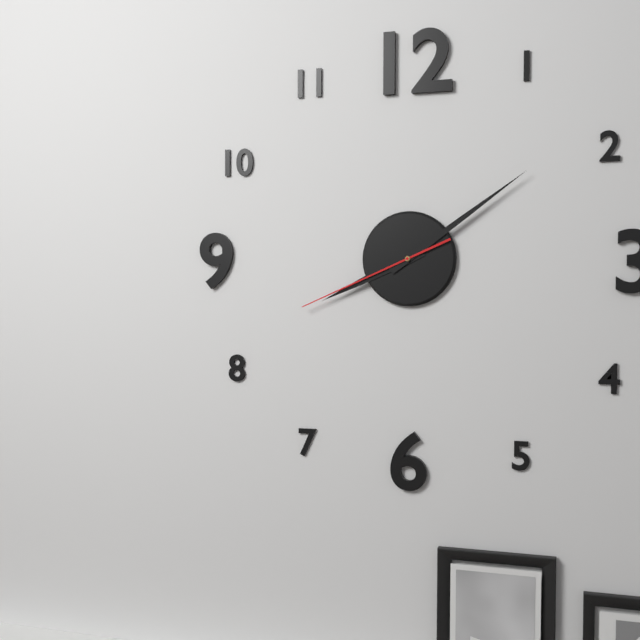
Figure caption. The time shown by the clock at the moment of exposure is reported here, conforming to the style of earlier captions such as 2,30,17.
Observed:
8,09,41
